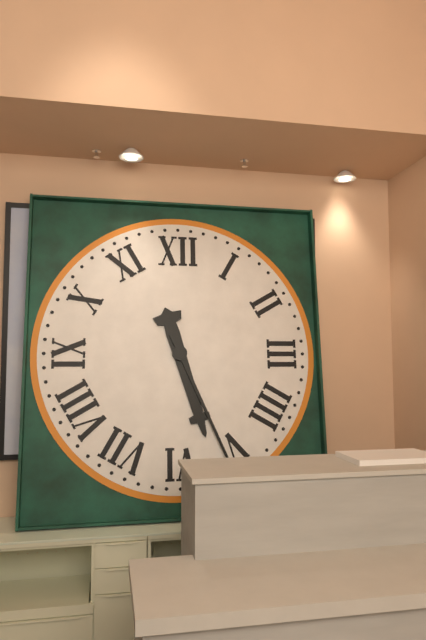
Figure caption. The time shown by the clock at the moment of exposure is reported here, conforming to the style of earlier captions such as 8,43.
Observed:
5,26
